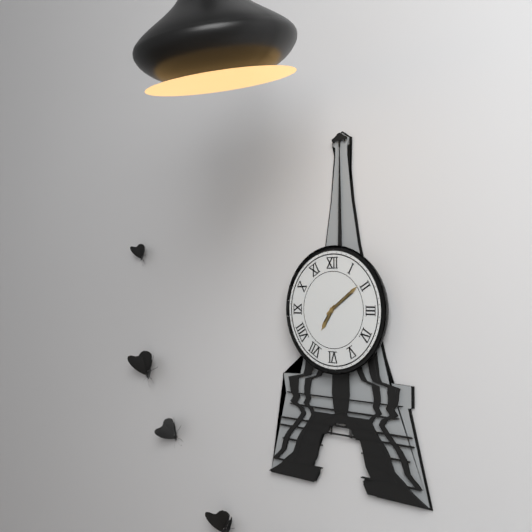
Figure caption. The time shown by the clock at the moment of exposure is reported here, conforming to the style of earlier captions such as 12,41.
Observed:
7,09
